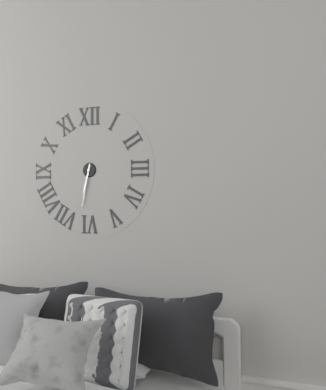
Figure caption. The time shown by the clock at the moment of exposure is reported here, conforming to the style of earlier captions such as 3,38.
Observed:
6,32
